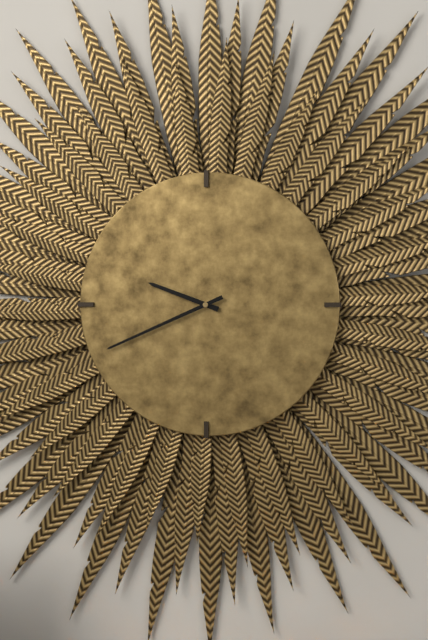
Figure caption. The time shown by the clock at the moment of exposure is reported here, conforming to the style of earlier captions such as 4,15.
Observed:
9,41
